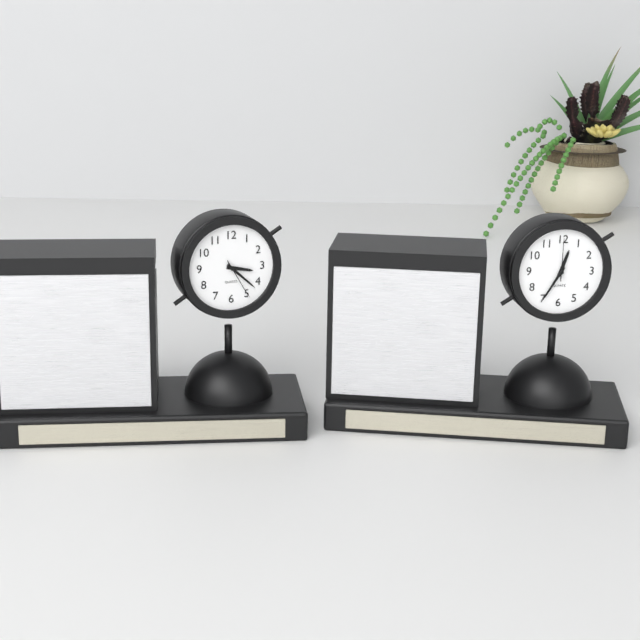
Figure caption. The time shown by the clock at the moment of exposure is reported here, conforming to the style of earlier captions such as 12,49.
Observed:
3,22
